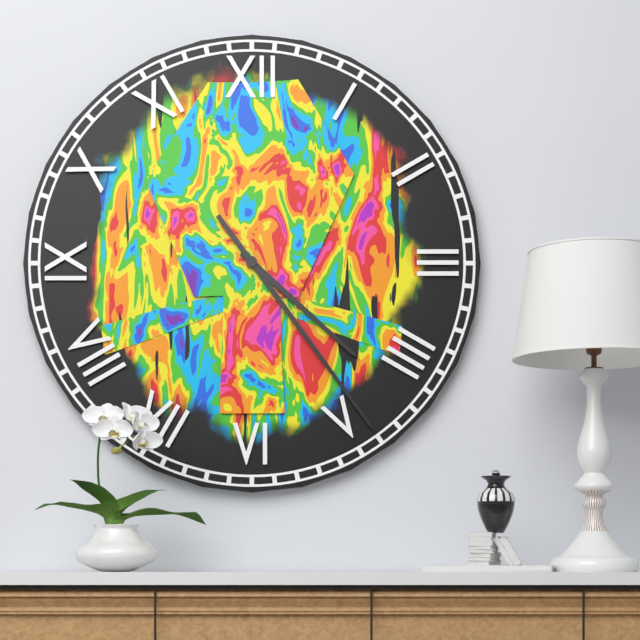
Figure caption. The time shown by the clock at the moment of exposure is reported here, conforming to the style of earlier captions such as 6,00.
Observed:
4,24
